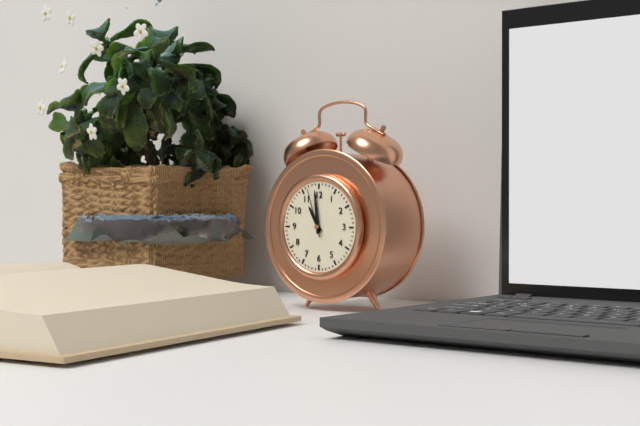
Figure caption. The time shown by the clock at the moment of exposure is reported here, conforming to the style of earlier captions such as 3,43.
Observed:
10,59
